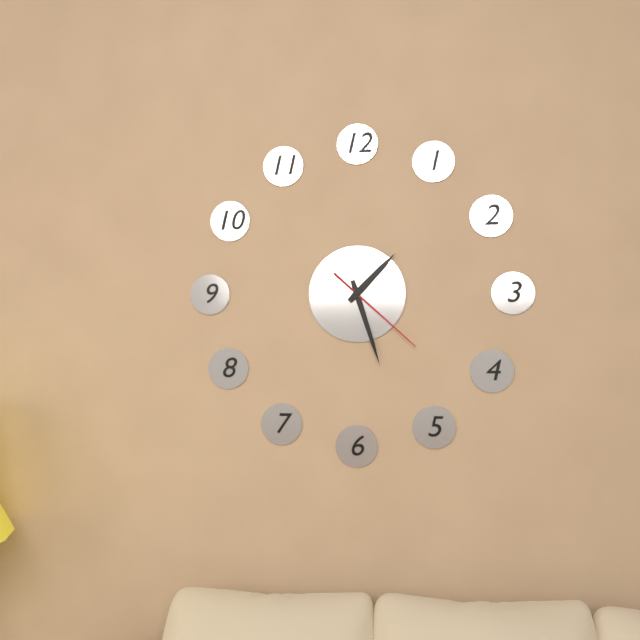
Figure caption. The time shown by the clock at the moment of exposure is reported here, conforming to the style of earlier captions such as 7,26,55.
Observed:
1,27,22
